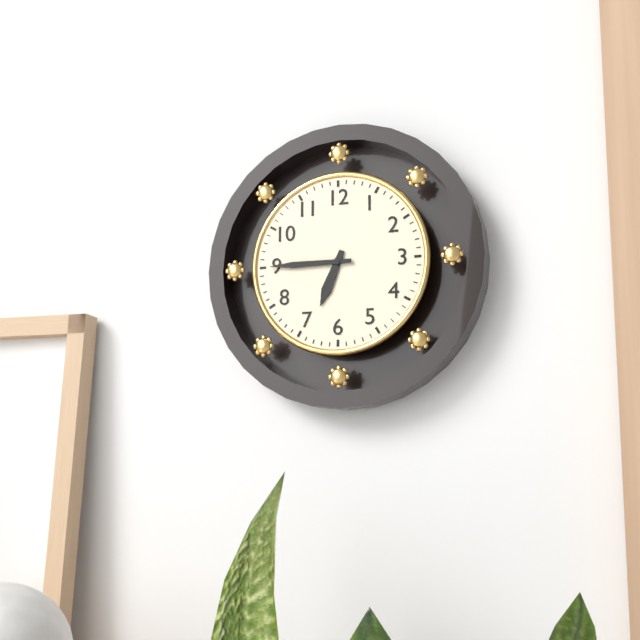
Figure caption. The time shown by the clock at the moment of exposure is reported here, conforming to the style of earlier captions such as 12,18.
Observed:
6,45
